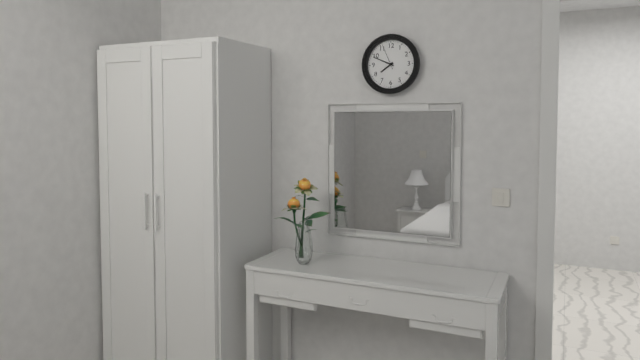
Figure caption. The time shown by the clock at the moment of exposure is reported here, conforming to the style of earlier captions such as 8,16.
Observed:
7,49
